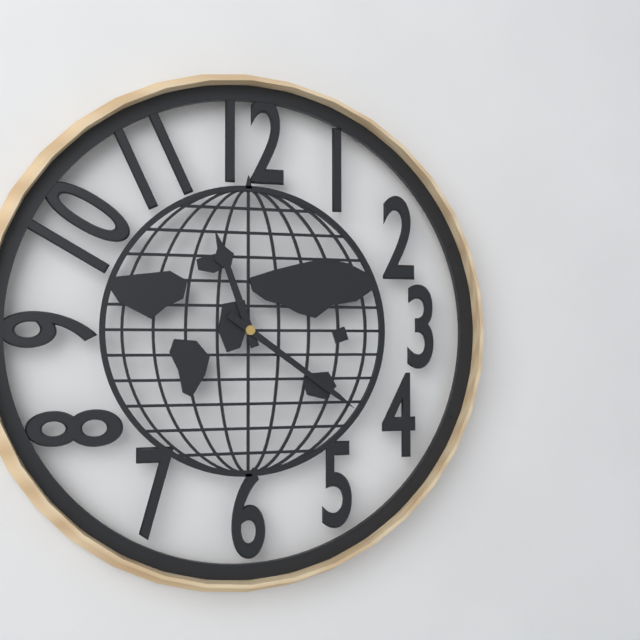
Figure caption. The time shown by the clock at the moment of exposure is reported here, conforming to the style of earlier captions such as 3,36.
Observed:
11,21
